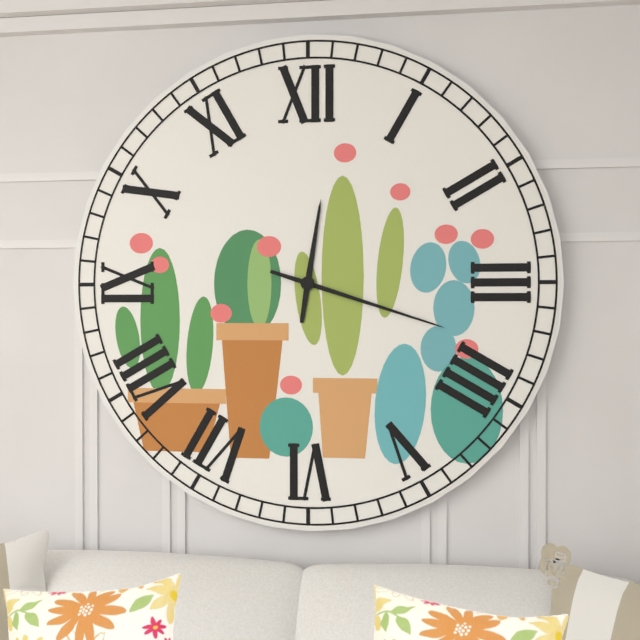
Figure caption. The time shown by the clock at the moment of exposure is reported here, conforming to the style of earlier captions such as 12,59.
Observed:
12,18
